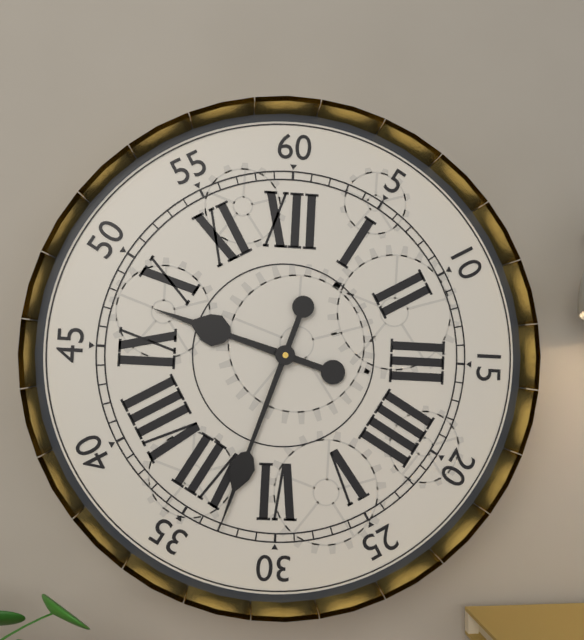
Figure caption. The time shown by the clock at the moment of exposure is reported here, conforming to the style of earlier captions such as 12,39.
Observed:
9,33
